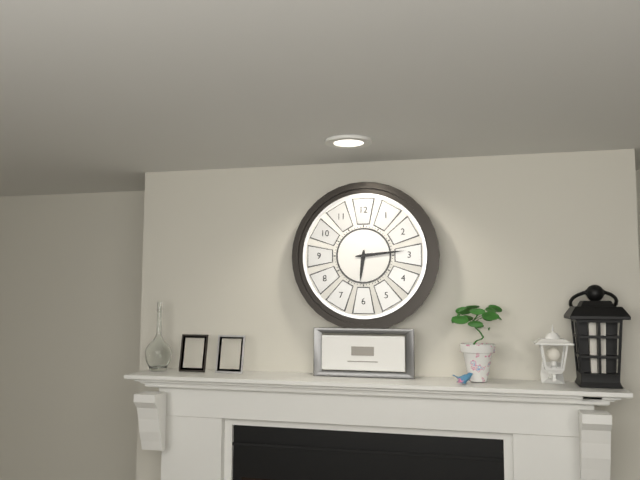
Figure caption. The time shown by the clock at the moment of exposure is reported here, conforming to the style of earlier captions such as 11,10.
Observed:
6,14
